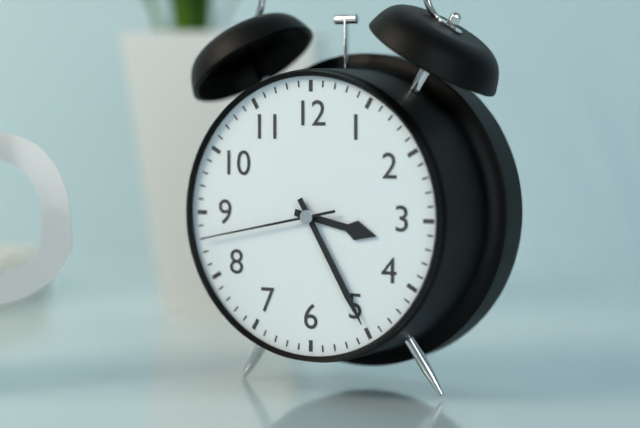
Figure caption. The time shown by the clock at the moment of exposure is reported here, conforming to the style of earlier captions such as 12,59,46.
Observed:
3,25,43
